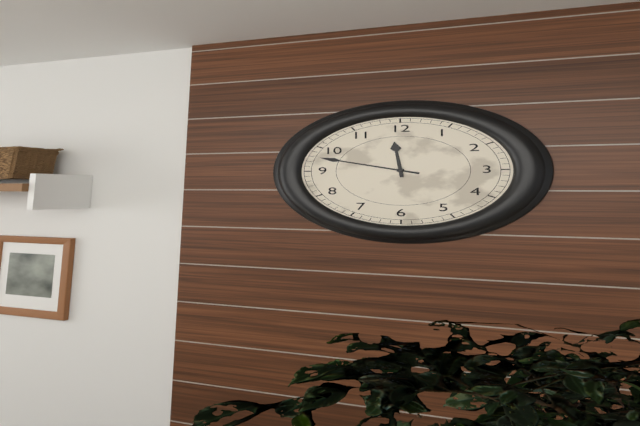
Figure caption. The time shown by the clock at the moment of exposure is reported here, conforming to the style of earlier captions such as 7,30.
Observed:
11,48
